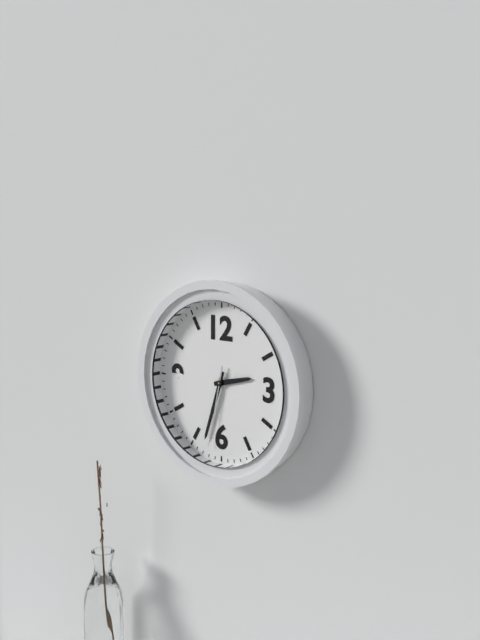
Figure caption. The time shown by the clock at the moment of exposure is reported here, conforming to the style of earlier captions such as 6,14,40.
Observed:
2,33,32
